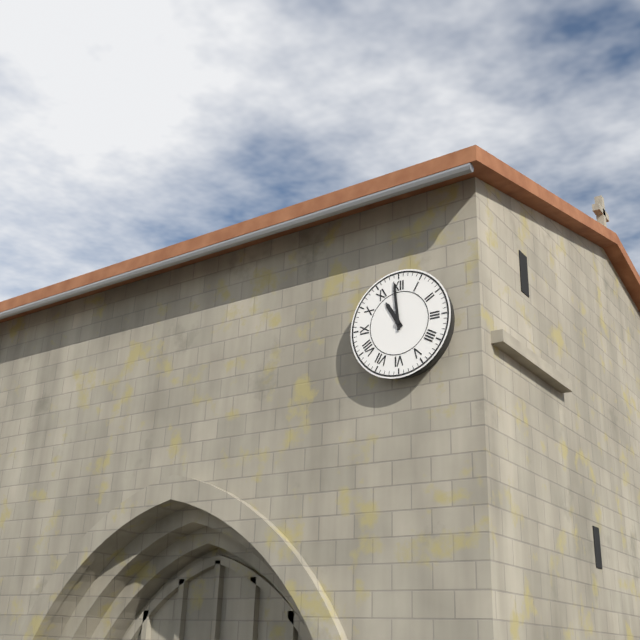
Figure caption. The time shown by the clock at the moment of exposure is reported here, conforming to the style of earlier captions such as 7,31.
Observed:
10,59
